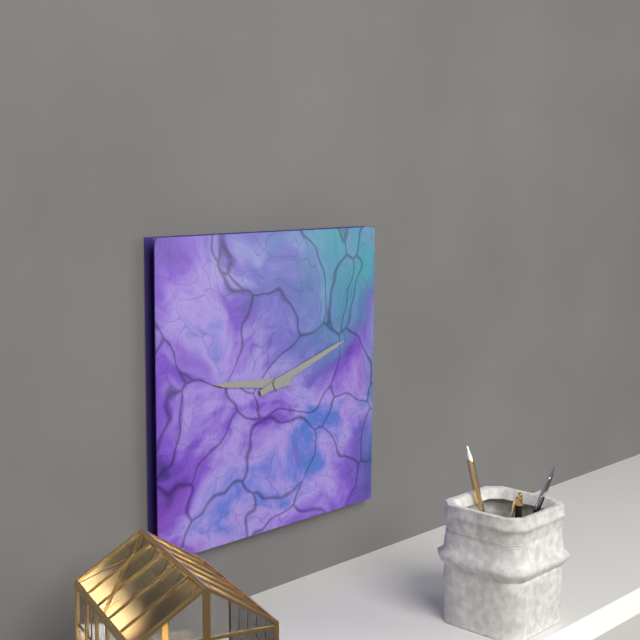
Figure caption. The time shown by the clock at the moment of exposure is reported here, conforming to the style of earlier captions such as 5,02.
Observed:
9,12
